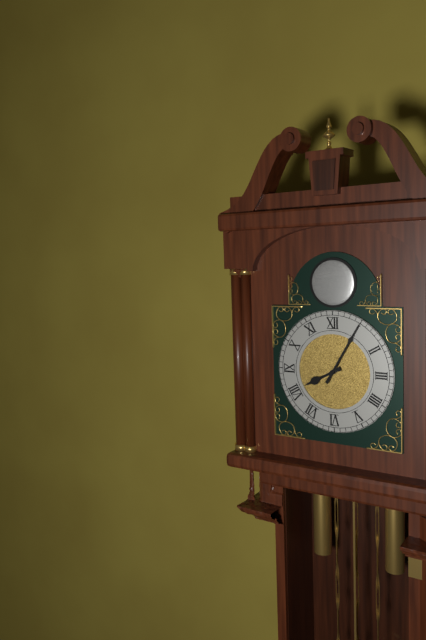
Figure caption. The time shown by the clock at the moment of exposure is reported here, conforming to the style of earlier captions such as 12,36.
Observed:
8,05
